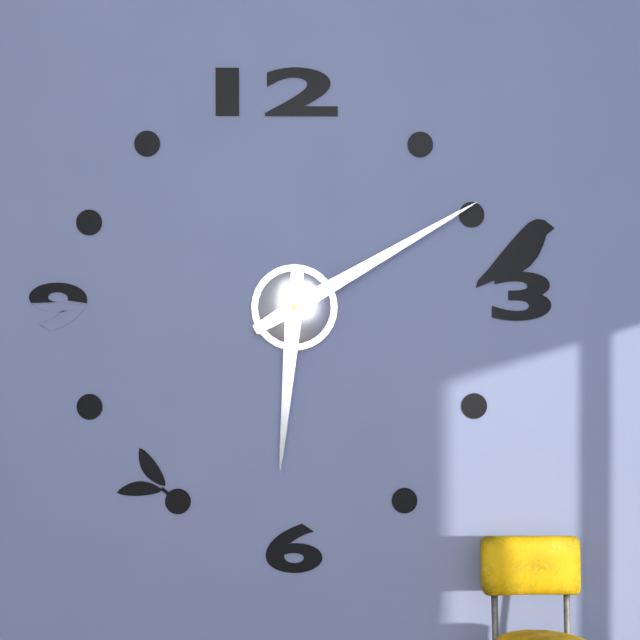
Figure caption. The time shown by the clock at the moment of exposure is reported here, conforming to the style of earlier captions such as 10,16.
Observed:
6,10
